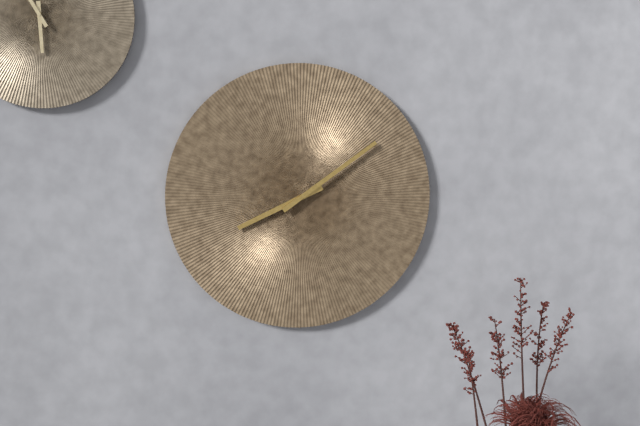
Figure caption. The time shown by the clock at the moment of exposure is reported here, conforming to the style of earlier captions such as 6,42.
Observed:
8,09
